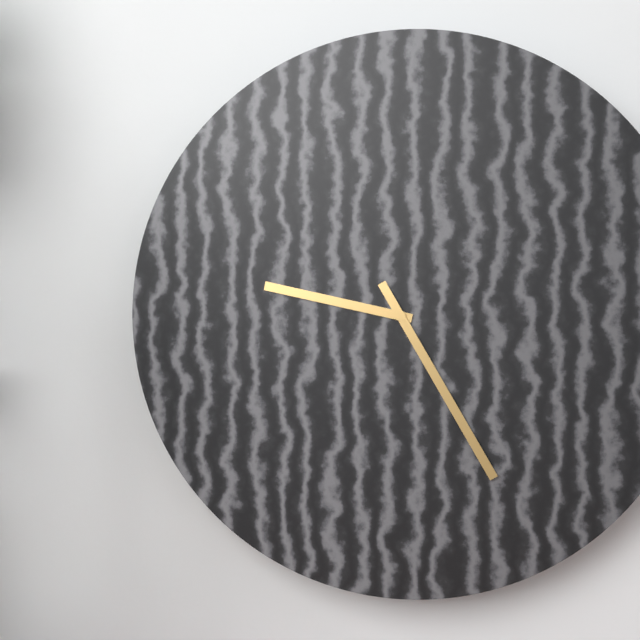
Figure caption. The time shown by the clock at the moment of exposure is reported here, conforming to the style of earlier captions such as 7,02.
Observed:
9,25
